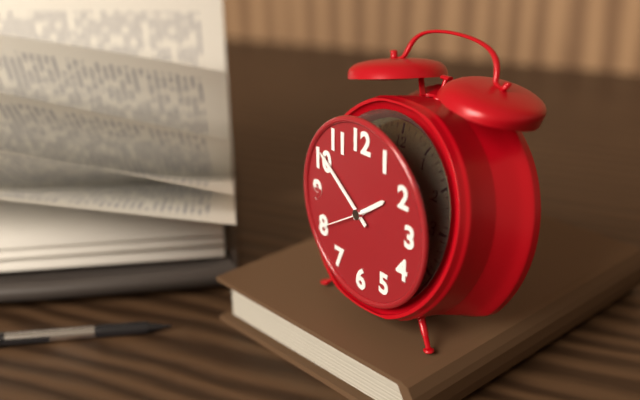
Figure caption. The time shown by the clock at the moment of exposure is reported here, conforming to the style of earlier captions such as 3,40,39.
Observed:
1,51,40
